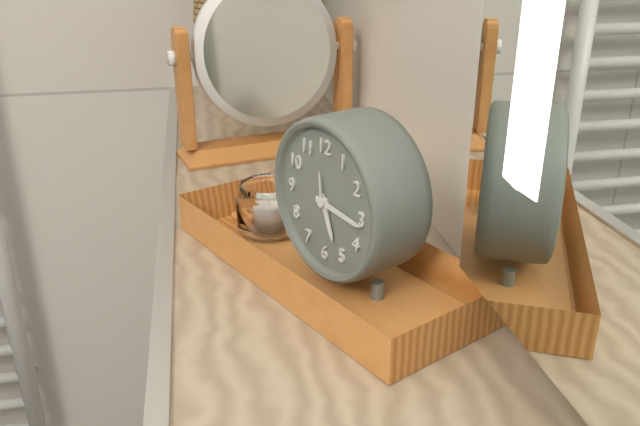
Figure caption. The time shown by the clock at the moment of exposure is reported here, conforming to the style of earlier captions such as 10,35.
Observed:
5,16
